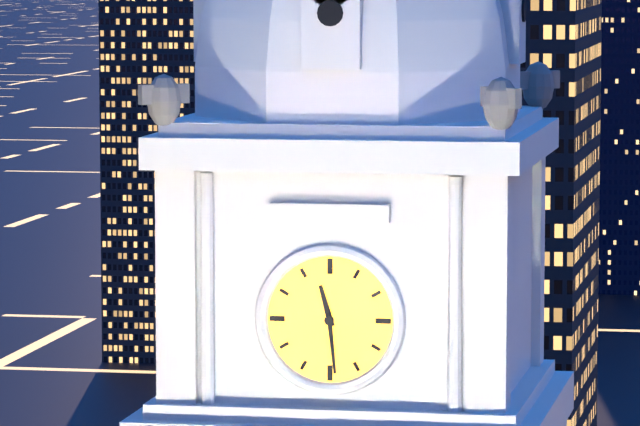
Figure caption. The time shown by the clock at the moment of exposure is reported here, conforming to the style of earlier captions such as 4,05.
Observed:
11,29
